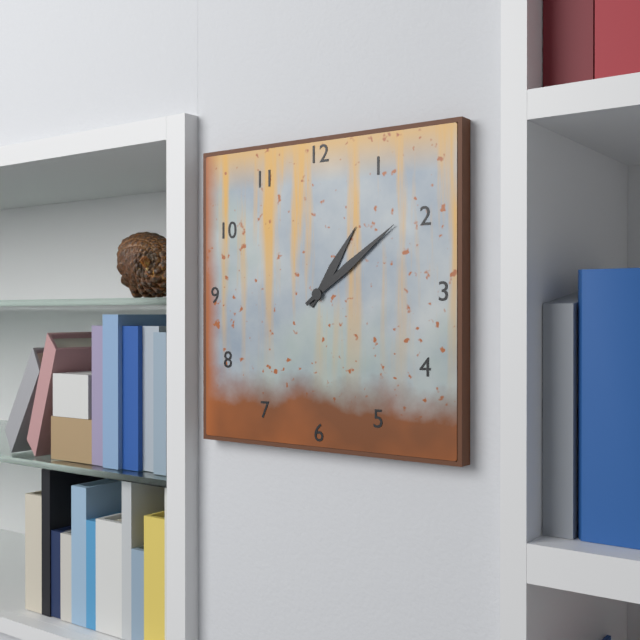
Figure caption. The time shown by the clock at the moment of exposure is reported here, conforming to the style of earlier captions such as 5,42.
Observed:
1,09
